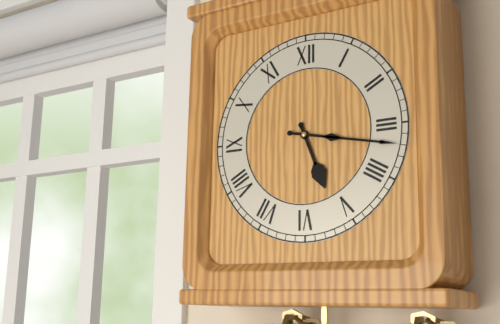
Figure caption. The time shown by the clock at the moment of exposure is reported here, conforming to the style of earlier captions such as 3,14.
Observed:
5,17
